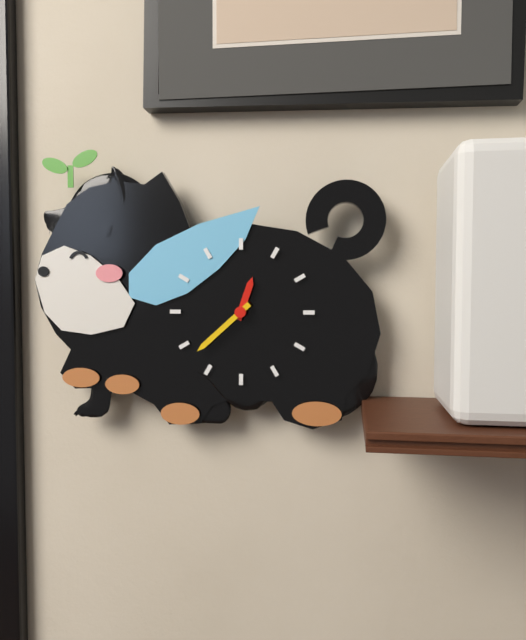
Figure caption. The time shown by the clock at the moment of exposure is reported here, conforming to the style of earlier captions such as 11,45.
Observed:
12,38
